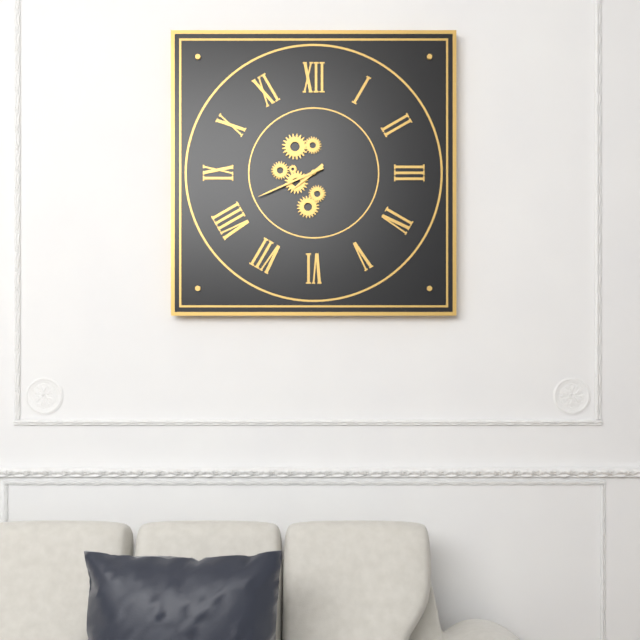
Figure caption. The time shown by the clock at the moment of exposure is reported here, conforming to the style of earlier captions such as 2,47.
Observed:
7,41
